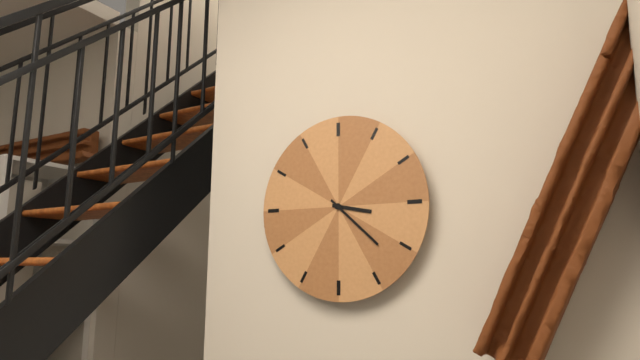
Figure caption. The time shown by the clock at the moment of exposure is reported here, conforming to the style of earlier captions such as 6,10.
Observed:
3,22
